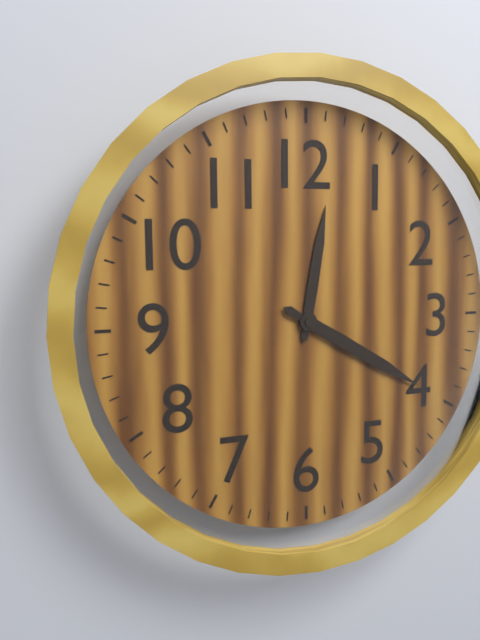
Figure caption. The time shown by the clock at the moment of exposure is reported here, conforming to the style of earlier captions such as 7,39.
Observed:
12,20
